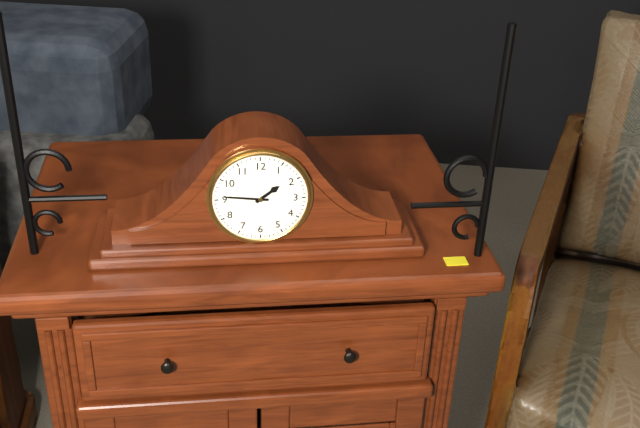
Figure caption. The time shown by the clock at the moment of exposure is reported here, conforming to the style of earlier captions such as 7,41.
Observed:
1,46
